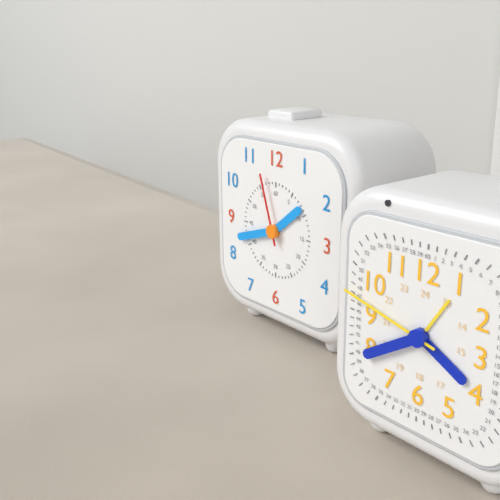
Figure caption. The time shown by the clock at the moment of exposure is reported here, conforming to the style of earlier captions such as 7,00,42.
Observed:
1,42,57
